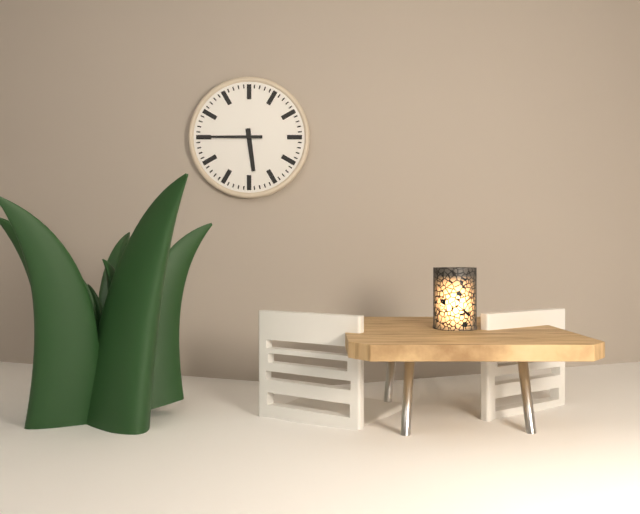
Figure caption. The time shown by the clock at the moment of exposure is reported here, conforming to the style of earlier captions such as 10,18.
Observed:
5,45
